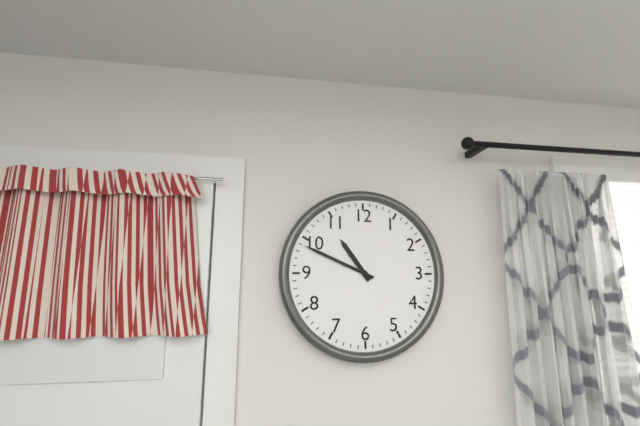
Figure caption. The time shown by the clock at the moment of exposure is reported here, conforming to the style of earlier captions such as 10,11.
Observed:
10,49
